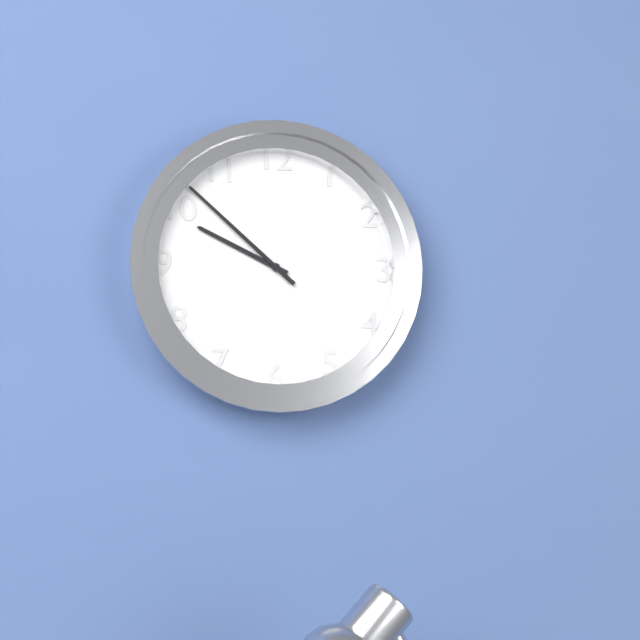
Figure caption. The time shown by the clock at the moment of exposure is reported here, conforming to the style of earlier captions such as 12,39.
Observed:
9,52
